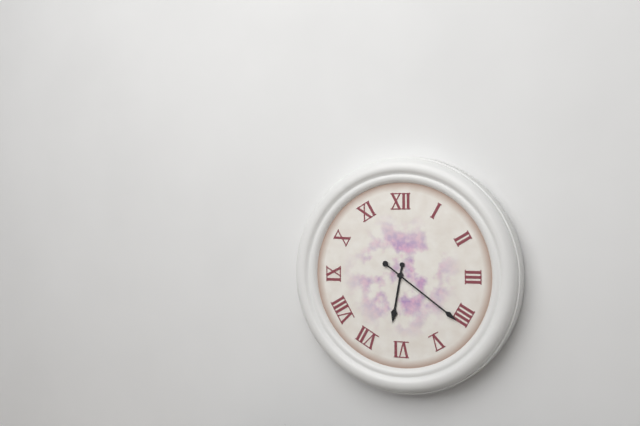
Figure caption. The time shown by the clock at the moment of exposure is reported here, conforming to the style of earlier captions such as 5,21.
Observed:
6,21
